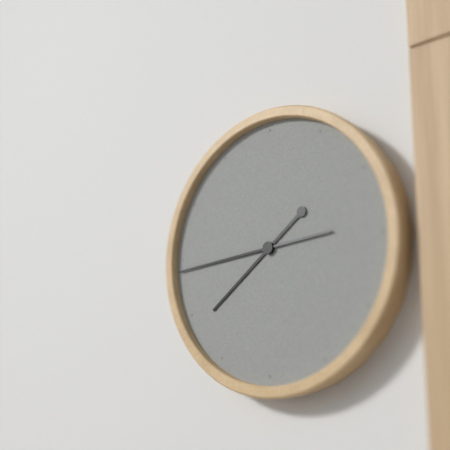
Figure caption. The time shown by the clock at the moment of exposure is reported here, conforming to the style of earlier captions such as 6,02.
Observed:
7,44
